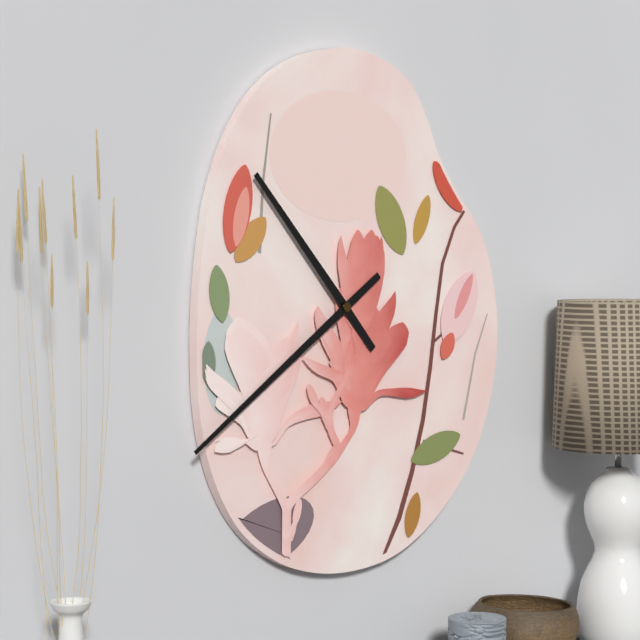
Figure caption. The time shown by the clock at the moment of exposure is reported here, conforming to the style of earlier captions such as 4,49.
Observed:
10,39
